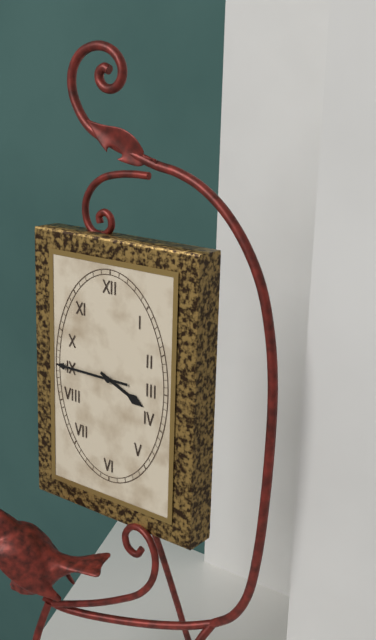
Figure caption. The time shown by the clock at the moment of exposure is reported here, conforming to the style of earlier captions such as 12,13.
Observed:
3,45
